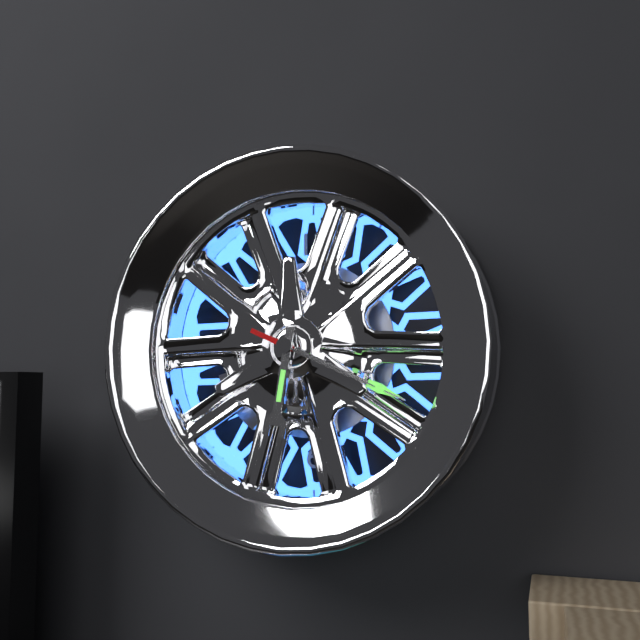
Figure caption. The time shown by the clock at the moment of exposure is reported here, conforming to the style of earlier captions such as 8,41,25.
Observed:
6,19,19
